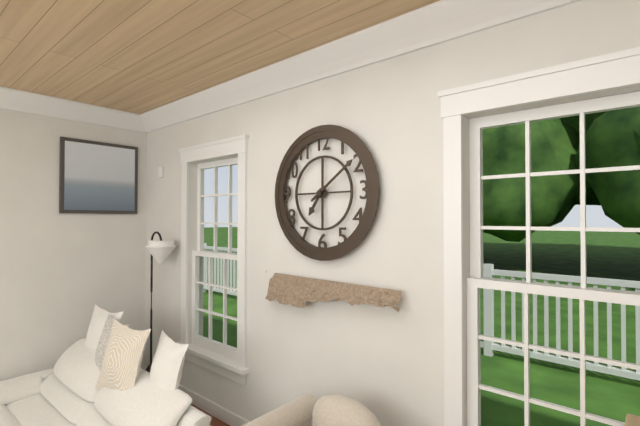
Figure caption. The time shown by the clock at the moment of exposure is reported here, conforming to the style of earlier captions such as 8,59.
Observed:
7,09
